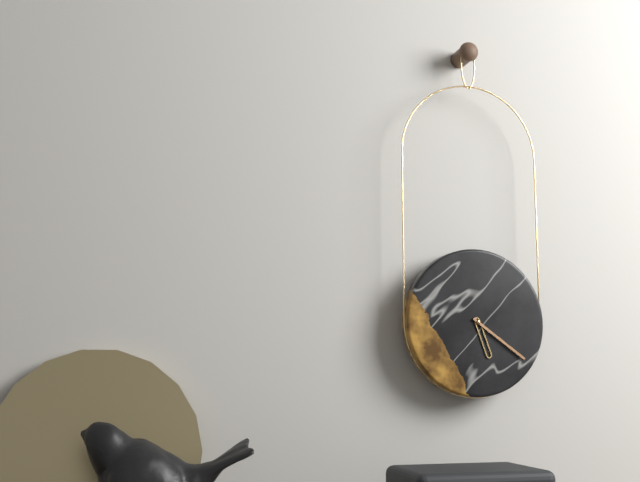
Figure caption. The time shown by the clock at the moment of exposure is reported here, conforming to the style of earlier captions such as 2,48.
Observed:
5,21
